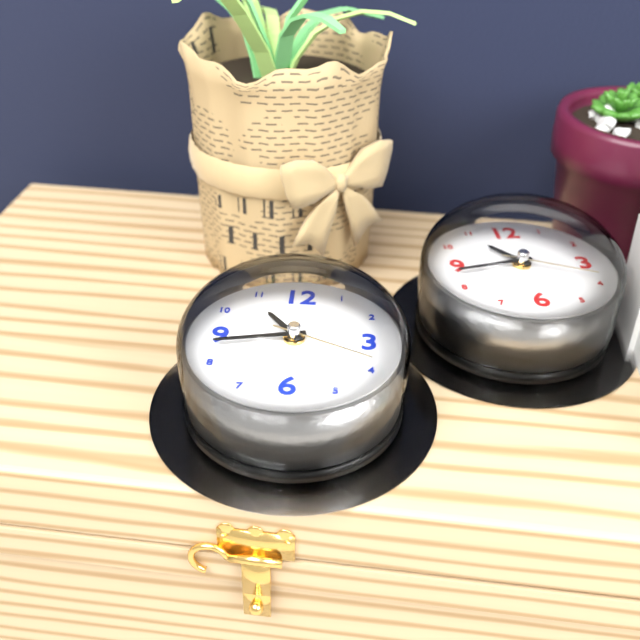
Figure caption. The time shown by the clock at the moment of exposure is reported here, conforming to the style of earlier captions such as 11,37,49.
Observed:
10,43,19
